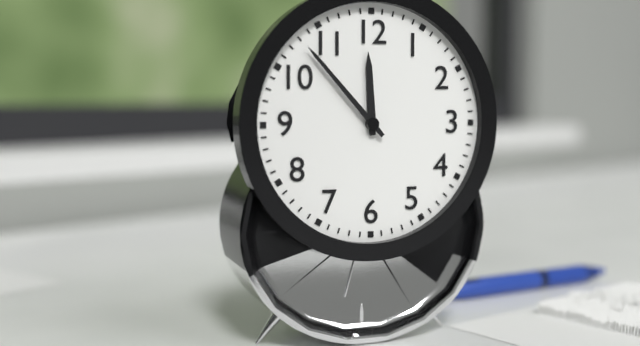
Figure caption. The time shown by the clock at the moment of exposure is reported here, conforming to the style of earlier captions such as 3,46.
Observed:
11,53
